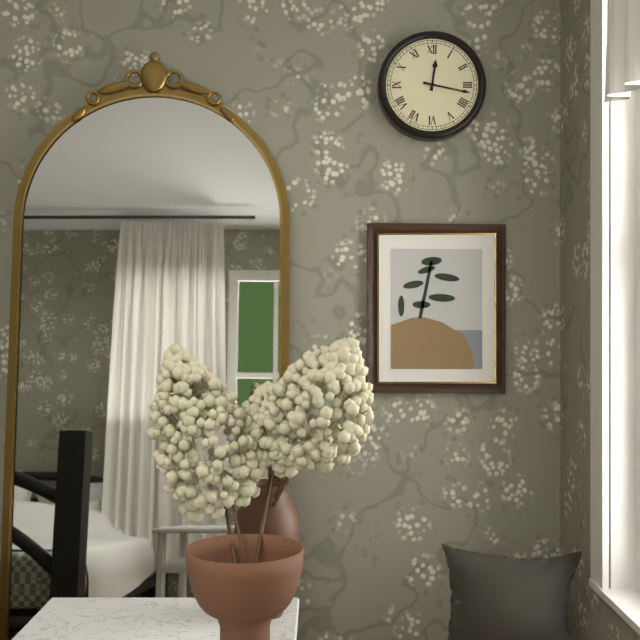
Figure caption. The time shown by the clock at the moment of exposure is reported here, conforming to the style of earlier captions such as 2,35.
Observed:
12,17
